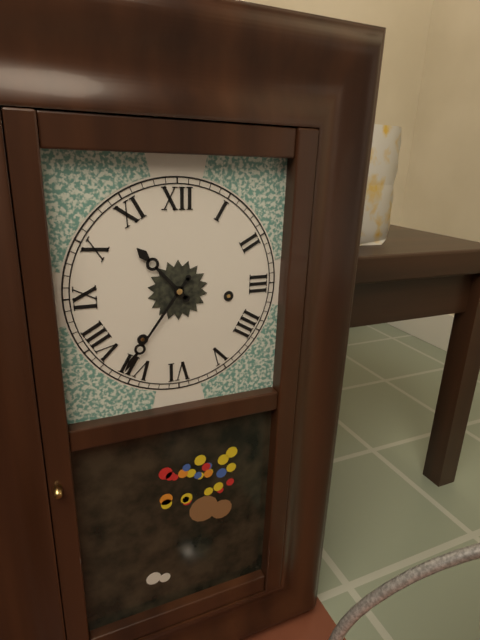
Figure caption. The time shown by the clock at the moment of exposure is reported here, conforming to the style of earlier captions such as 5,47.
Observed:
10,36
